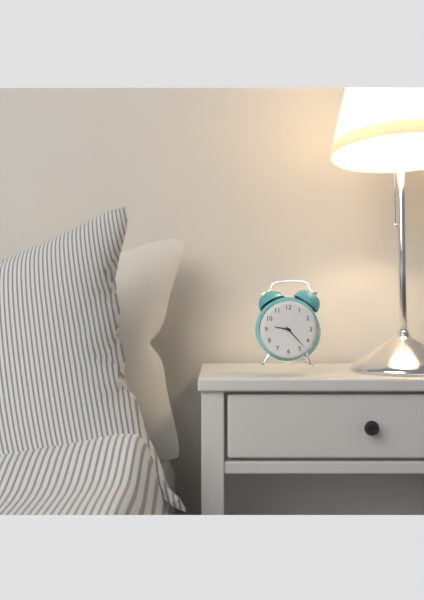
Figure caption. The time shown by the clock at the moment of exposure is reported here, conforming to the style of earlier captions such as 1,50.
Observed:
9,23
